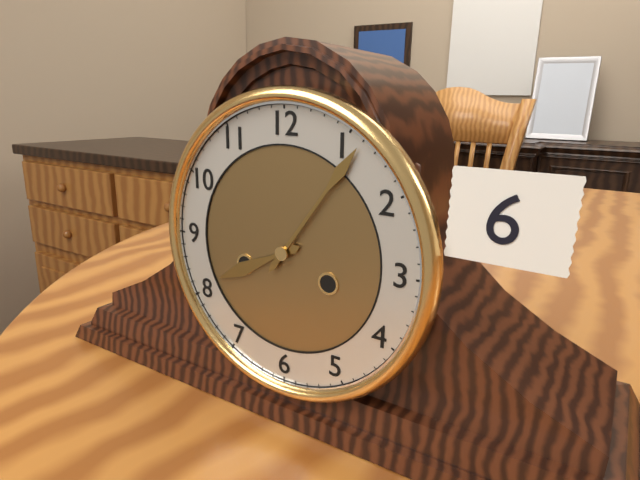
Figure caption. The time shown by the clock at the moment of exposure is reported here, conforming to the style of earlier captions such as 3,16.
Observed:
8,06
